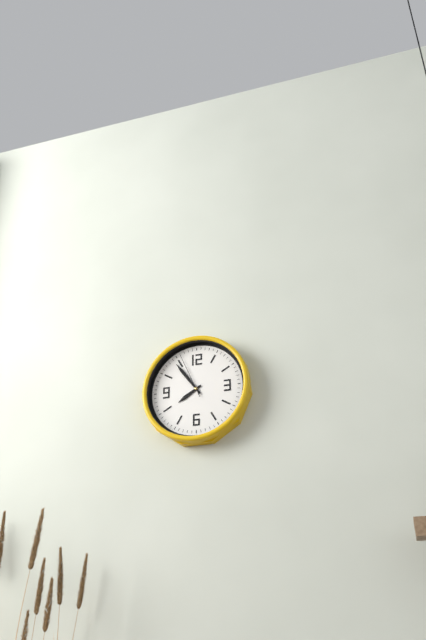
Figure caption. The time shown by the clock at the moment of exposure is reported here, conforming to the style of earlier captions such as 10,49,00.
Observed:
7,54,56
